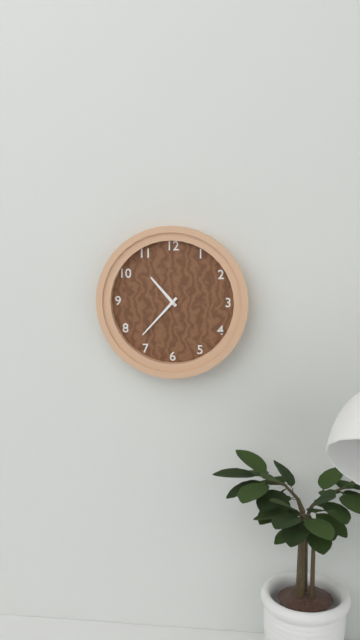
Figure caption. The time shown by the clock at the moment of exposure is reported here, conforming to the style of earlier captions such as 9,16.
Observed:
10,37
